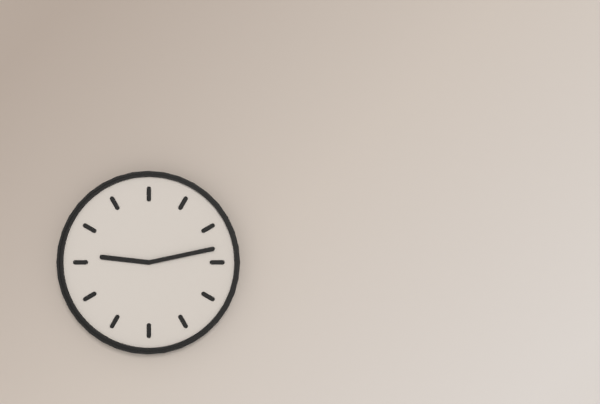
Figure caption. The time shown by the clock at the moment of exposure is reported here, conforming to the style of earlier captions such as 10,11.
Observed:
9,13
